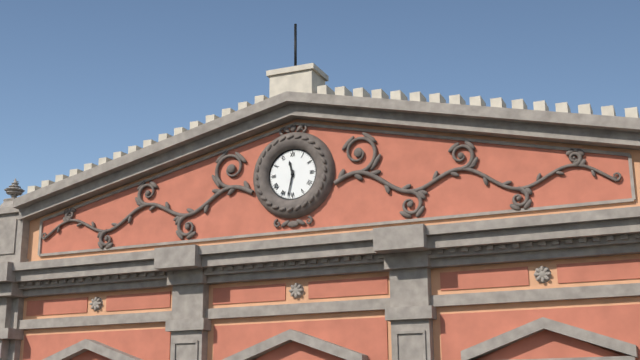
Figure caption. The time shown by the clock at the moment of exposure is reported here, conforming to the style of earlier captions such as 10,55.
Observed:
11,32
